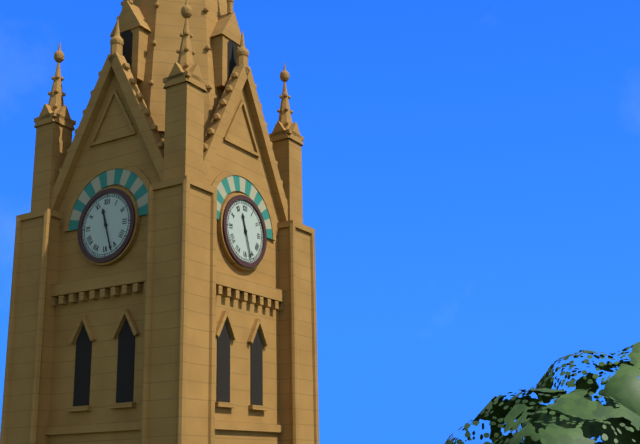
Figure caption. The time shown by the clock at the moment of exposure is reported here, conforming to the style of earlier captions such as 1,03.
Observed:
11,27
